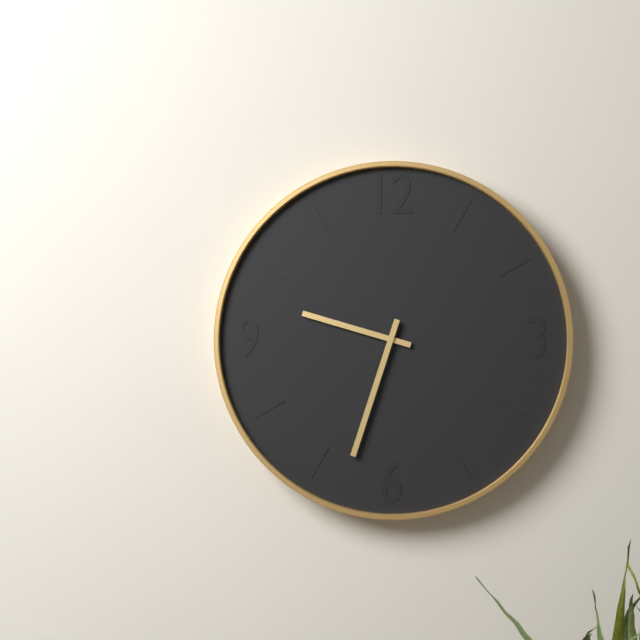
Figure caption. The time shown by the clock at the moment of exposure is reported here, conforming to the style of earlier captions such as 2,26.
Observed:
9,33
